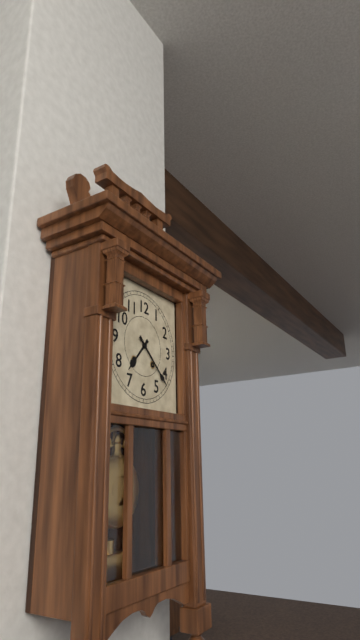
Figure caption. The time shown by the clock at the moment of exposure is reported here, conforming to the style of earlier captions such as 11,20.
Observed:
7,22
